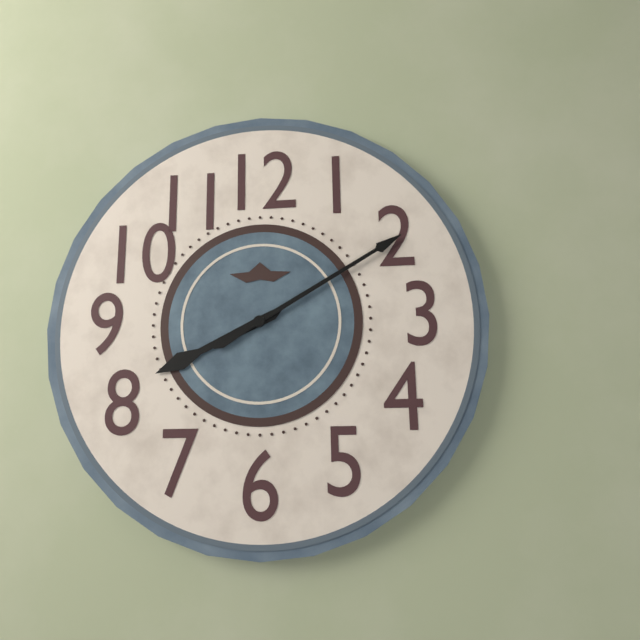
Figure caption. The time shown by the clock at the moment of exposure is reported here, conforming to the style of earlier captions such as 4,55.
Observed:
8,10
